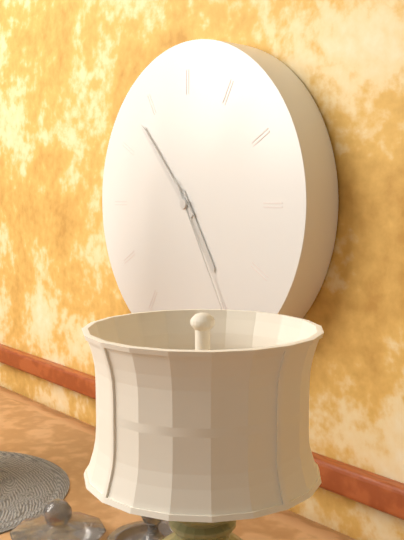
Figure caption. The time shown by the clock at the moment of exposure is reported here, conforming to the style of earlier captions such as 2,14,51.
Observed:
4,53,25
